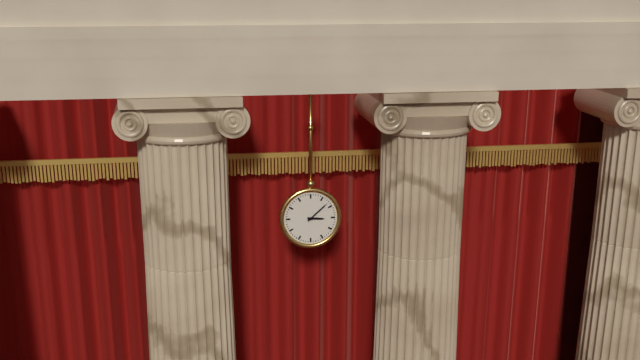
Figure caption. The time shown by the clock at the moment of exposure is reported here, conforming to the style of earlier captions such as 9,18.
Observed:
3,08
